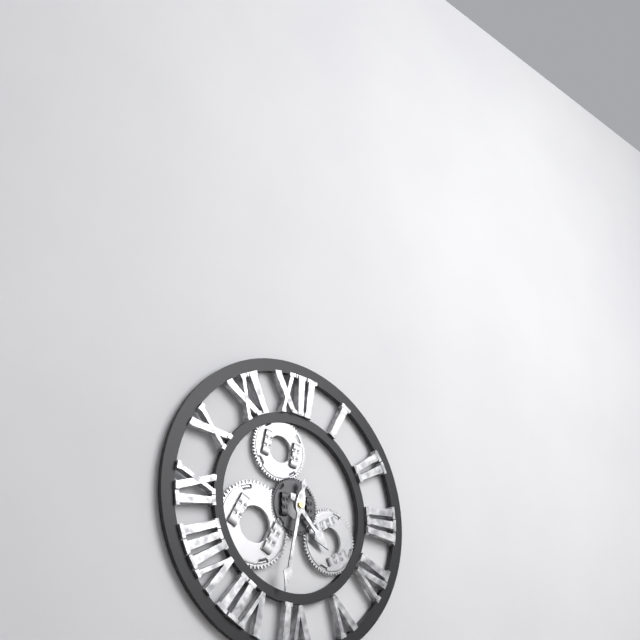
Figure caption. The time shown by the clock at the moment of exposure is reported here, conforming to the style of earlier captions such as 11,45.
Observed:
4,32
